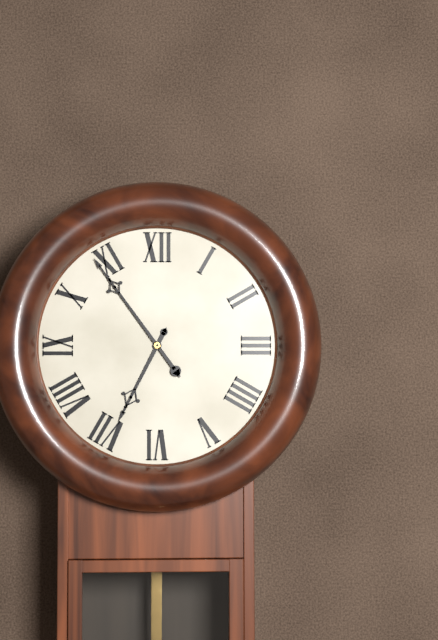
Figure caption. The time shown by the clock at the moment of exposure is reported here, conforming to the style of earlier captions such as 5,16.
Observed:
6,54
